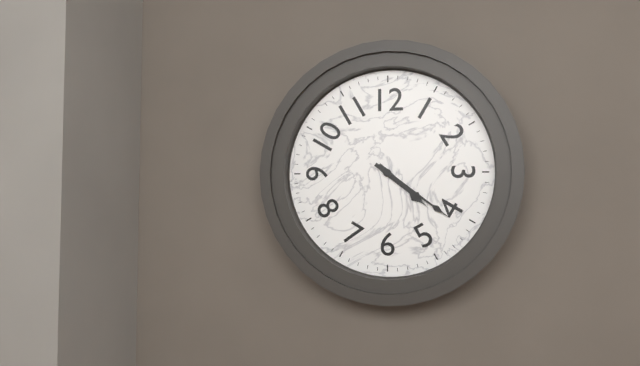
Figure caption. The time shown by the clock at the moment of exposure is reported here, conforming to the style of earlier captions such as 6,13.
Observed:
4,21
